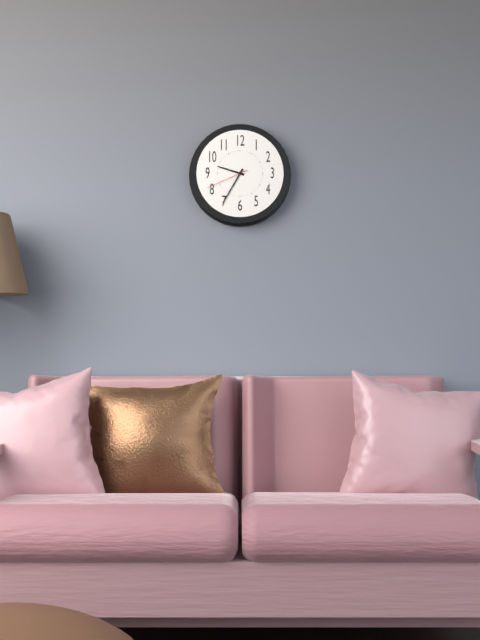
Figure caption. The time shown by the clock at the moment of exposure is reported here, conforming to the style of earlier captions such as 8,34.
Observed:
9,35
